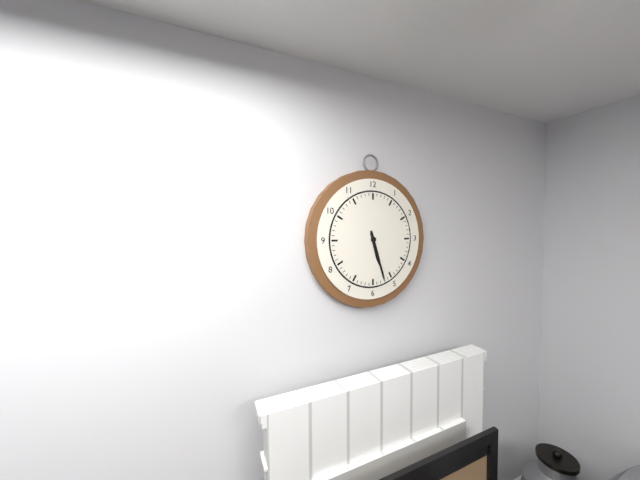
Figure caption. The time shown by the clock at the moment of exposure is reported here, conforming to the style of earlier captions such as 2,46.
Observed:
5,27
